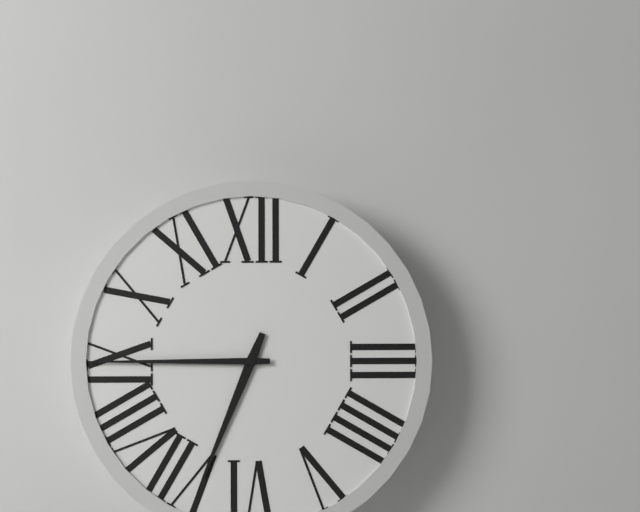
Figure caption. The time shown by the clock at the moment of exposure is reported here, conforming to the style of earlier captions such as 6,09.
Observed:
6,45
